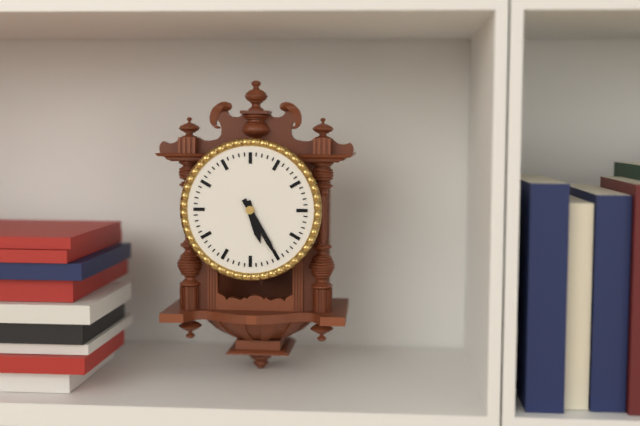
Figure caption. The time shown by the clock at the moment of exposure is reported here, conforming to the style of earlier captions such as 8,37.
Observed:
5,25
